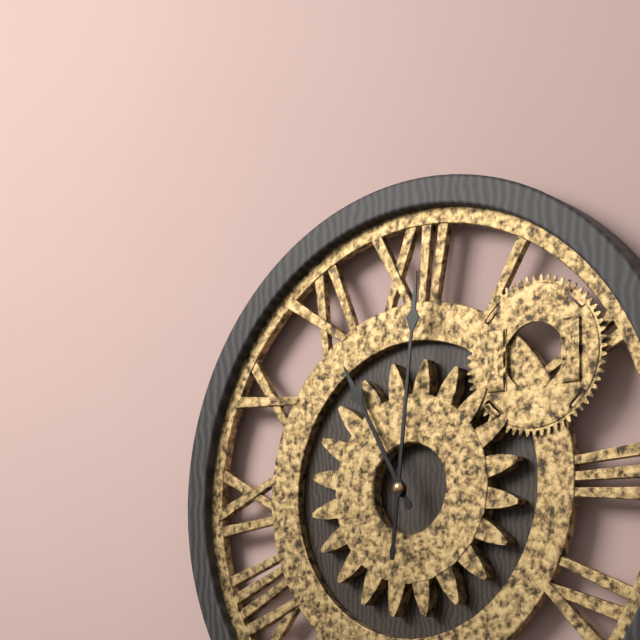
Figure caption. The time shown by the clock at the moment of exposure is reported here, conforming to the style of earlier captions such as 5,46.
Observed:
11,01
